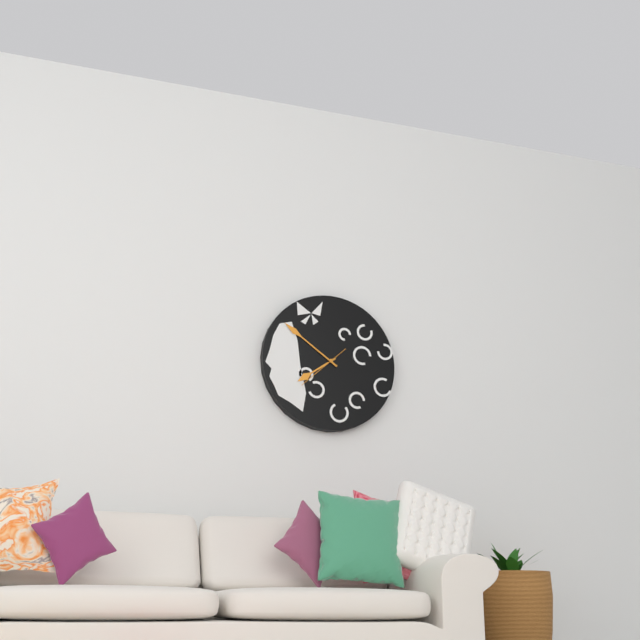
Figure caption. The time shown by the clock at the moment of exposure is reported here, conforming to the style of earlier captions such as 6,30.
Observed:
7,51
